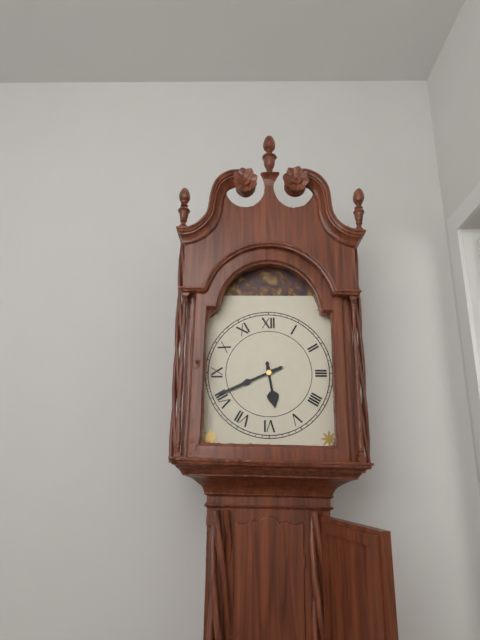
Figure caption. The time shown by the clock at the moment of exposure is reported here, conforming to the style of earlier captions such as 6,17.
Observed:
5,41
